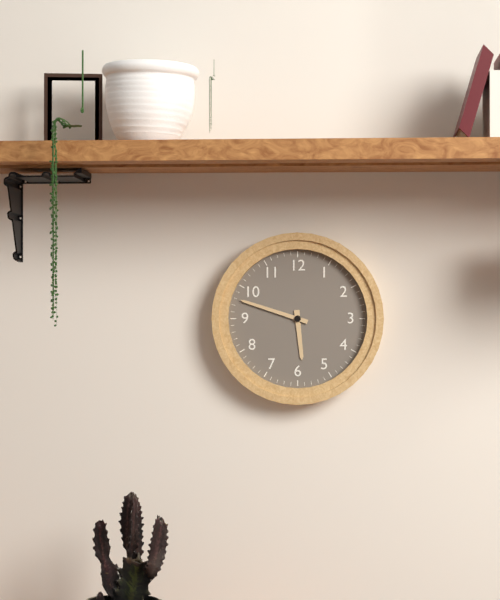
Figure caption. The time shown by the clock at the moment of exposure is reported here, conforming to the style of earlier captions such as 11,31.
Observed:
5,48
